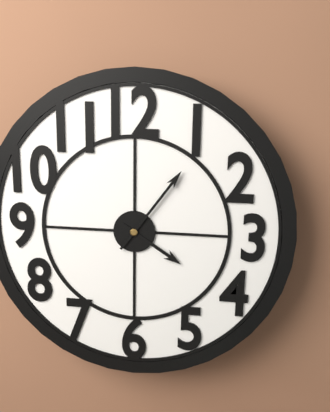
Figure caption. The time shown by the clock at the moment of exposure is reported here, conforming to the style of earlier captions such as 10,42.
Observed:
4,06
